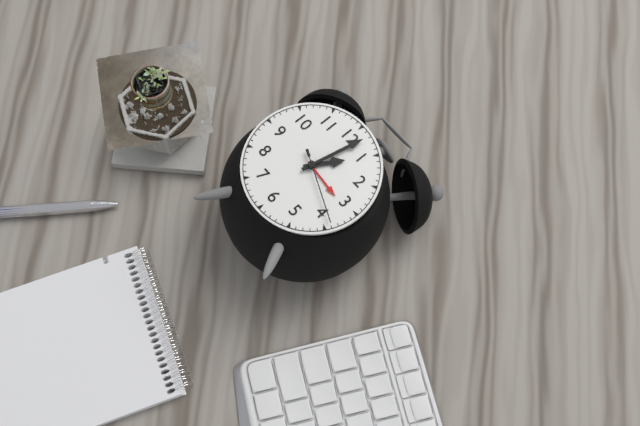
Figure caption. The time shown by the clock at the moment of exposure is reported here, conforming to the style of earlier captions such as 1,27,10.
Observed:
1,02,19
